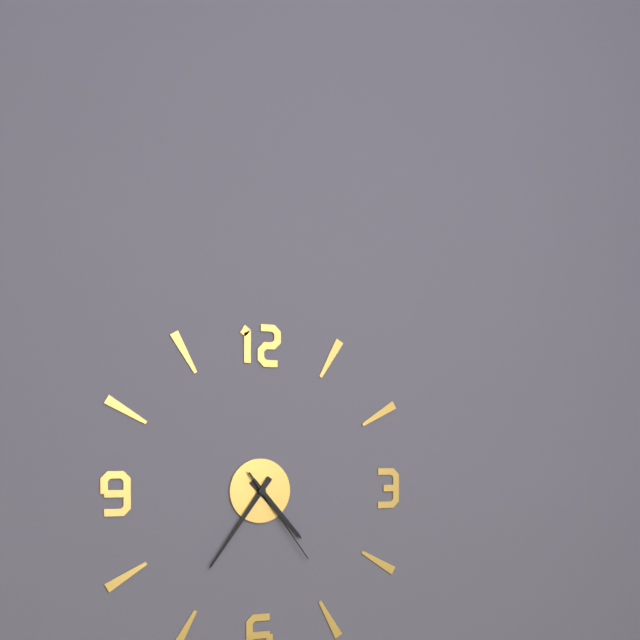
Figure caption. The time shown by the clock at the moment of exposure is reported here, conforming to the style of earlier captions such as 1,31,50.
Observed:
4,36,24
